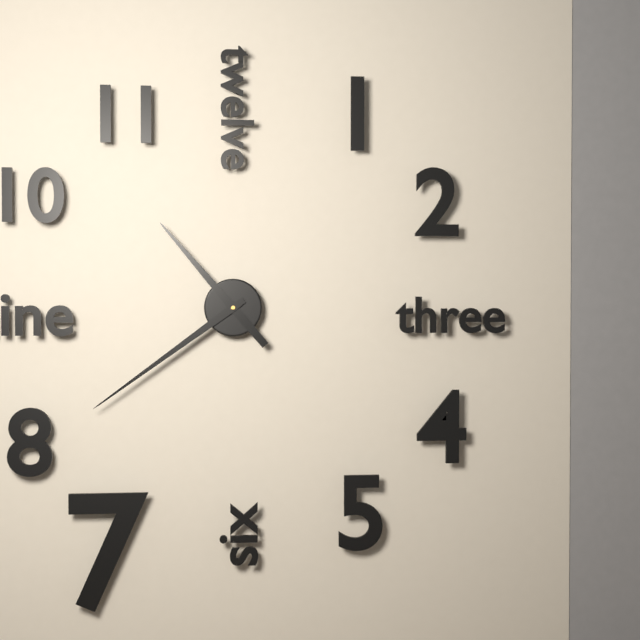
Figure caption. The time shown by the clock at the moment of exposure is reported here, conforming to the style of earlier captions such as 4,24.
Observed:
10,39
